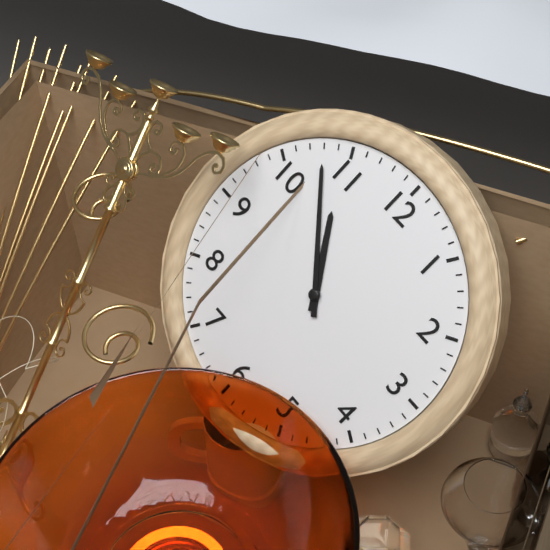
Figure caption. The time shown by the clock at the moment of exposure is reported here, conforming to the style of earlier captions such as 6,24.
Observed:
10,53
